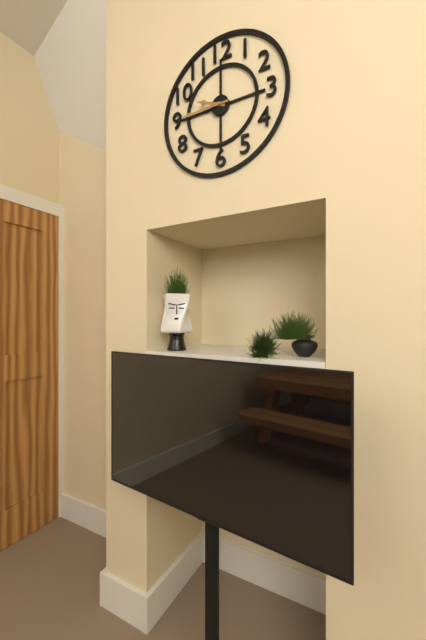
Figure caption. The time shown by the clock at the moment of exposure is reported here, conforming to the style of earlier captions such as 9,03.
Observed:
9,45
